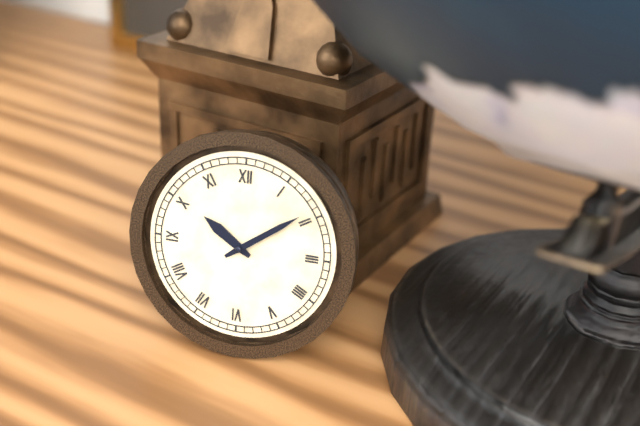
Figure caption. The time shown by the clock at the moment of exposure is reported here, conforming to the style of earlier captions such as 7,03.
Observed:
10,09
